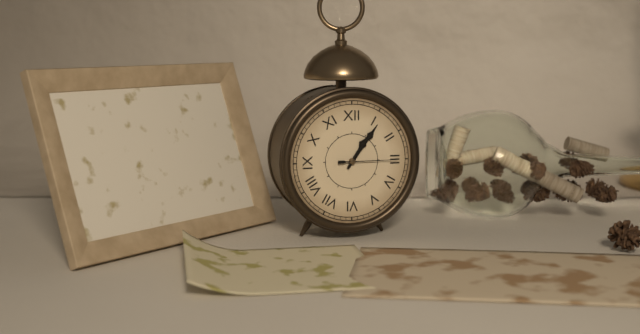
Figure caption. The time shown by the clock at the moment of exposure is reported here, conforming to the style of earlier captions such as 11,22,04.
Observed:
1,06,15
